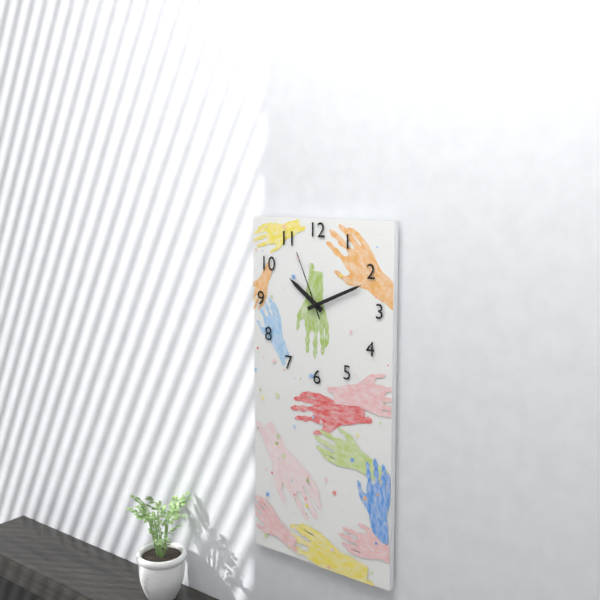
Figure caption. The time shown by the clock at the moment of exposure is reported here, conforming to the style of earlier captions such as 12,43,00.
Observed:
10,11,56
